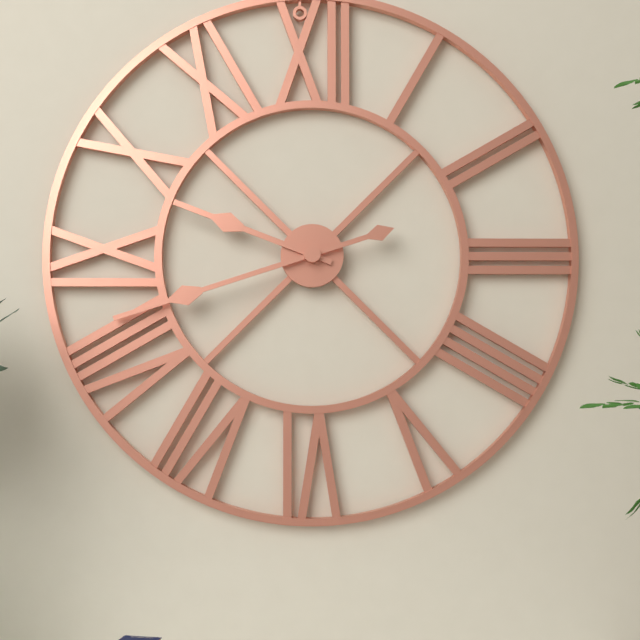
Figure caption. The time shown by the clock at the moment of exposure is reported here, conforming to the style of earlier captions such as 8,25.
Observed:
9,42
